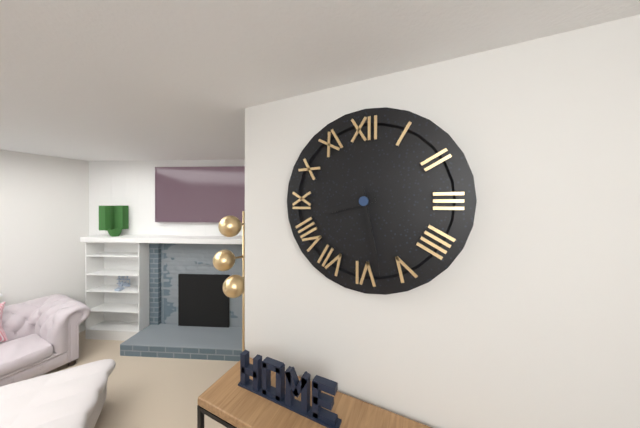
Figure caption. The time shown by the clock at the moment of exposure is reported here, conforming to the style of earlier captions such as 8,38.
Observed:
8,28
